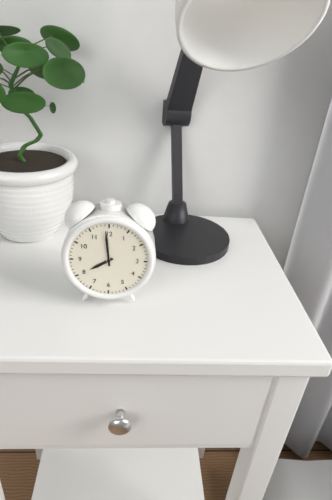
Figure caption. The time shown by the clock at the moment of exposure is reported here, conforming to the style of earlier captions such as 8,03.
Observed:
7,59
